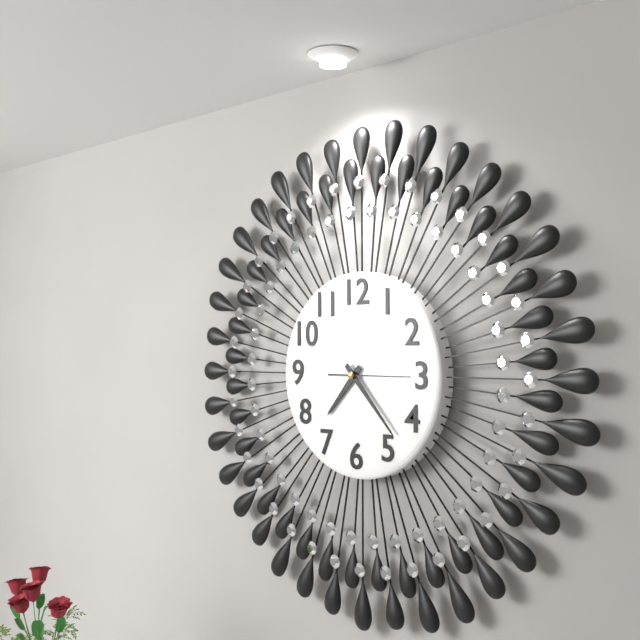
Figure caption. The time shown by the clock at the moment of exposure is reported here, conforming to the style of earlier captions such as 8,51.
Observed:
7,23
